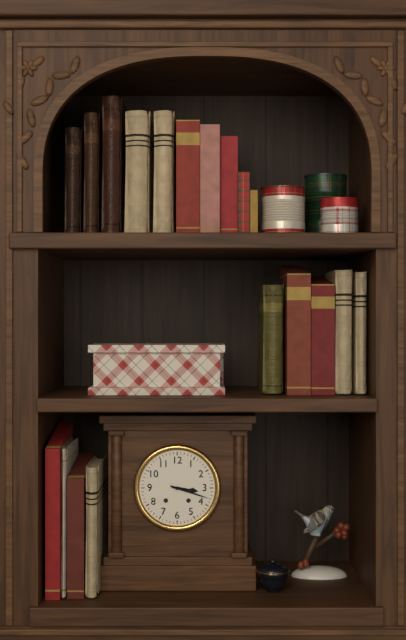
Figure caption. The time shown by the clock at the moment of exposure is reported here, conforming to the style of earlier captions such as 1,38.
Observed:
3,18
